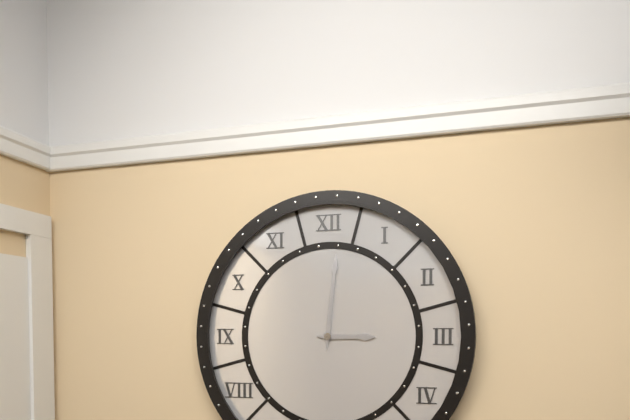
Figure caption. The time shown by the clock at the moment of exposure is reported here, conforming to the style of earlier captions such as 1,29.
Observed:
3,01
